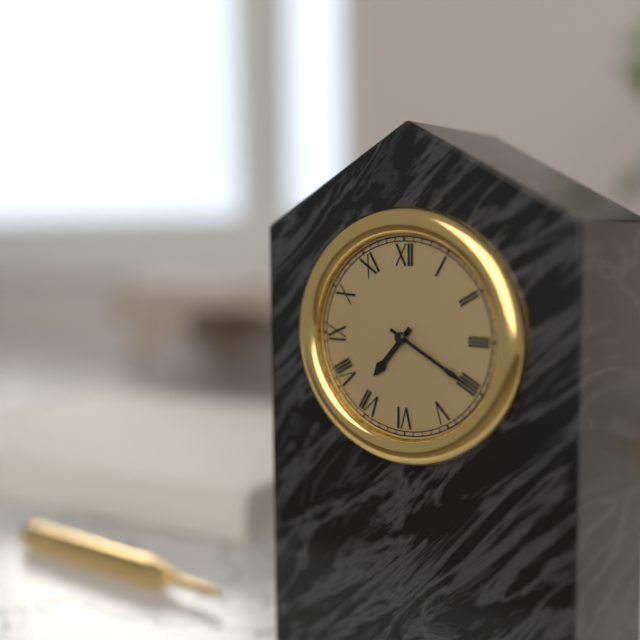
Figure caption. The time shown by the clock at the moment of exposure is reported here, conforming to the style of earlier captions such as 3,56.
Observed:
7,20
